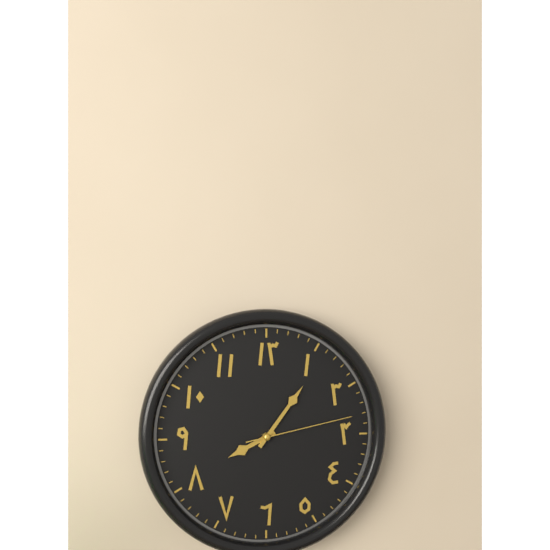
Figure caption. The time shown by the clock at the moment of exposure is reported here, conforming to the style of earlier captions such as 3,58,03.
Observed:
8,06,13
